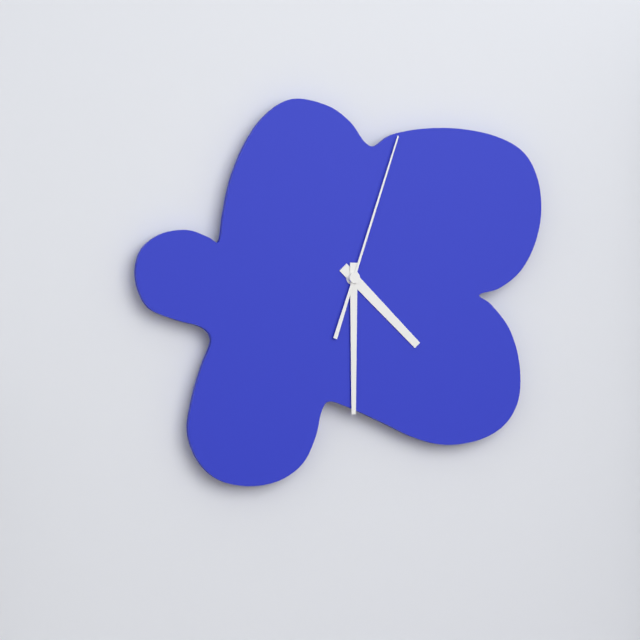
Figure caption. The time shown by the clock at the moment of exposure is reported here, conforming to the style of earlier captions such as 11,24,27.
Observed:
4,30,03
